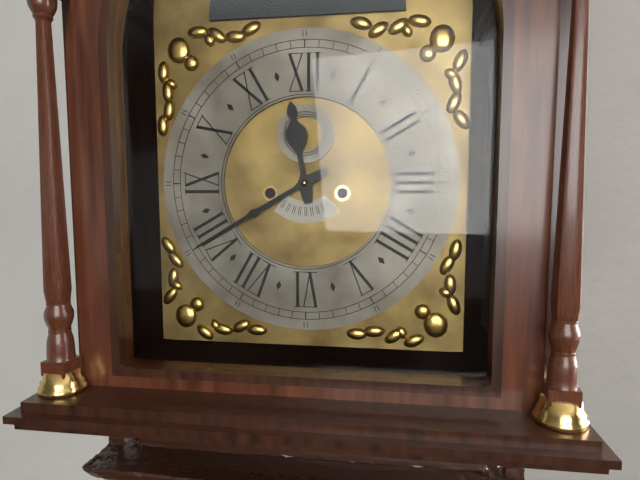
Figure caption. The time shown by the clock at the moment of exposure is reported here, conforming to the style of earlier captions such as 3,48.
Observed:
11,40
